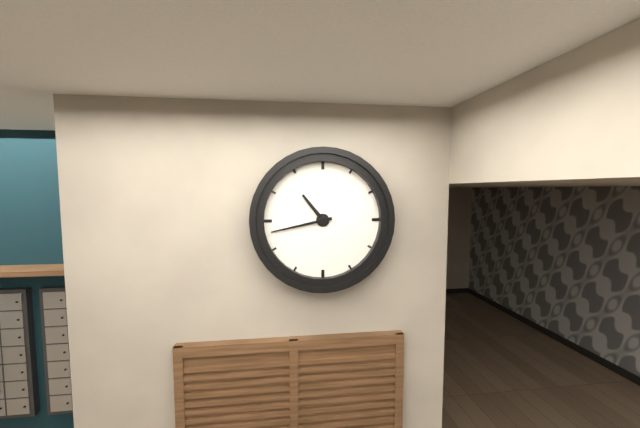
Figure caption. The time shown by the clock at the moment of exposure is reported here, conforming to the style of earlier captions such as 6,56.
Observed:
10,43
